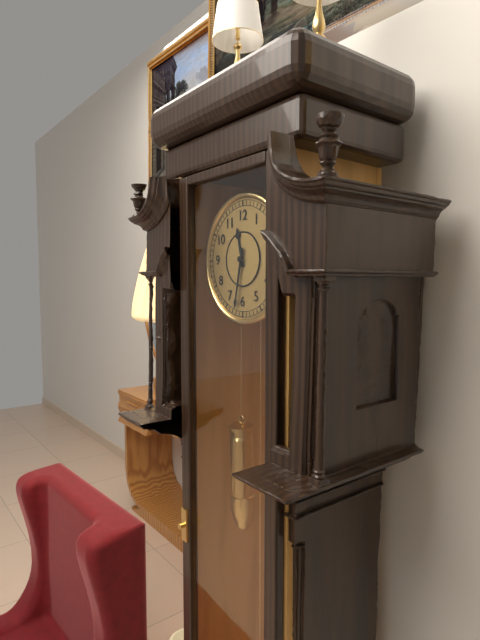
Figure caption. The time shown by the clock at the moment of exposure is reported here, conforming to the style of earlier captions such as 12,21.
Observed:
11,32
